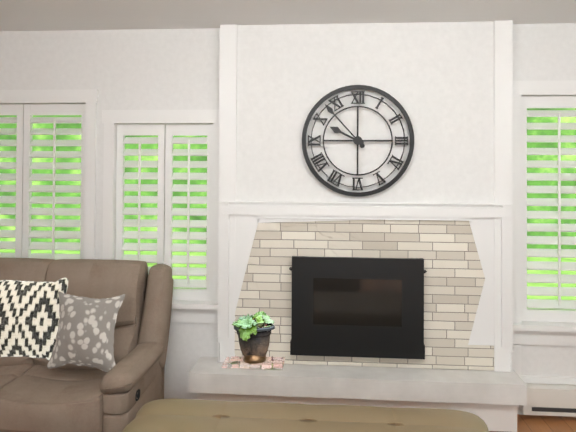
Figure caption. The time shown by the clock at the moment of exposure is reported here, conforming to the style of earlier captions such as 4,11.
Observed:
9,53
